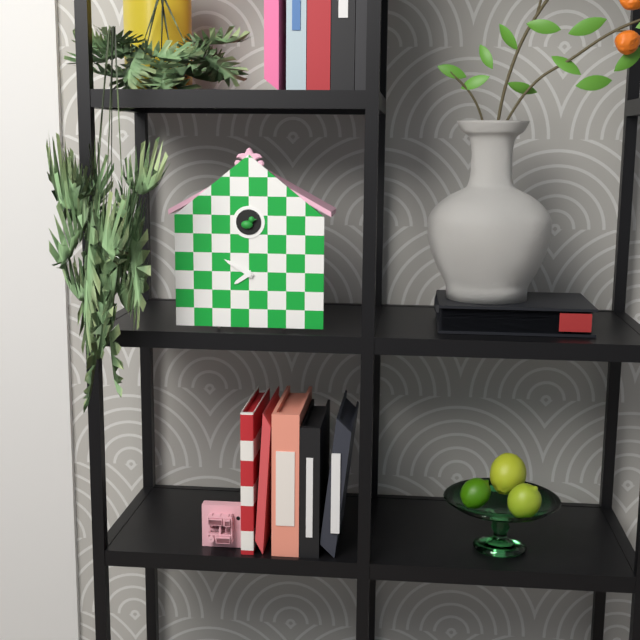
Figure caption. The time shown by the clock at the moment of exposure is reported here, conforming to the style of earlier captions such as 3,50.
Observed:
7,50
